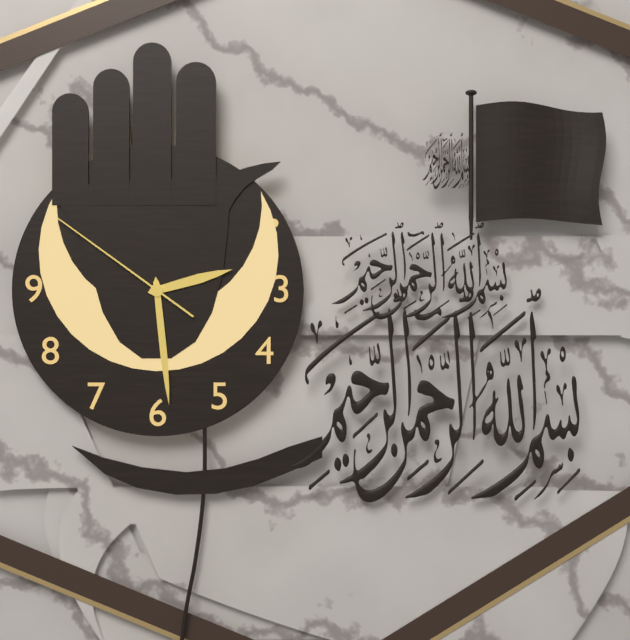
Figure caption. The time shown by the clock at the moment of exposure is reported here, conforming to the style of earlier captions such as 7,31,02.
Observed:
2,29,51
